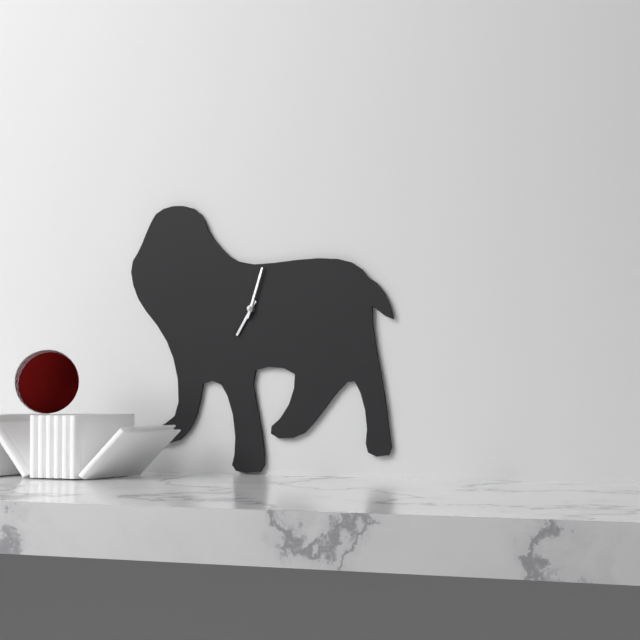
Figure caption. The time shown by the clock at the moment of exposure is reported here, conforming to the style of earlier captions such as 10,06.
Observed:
7,03
